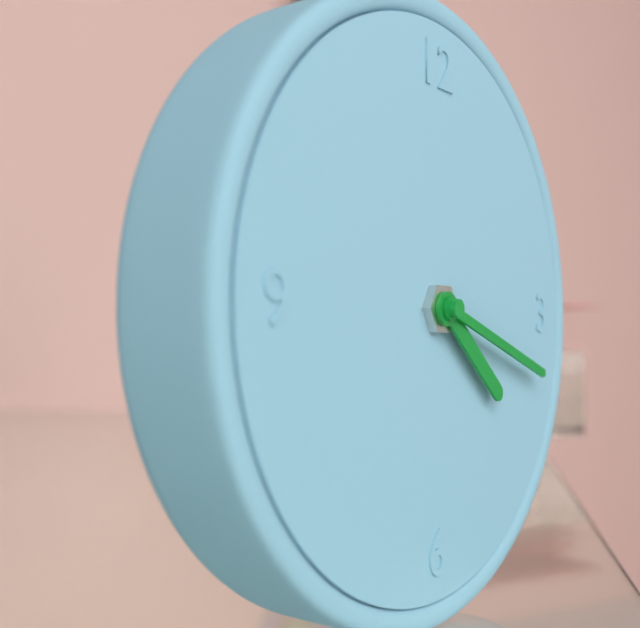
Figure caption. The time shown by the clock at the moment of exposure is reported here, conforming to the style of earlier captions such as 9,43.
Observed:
4,18
